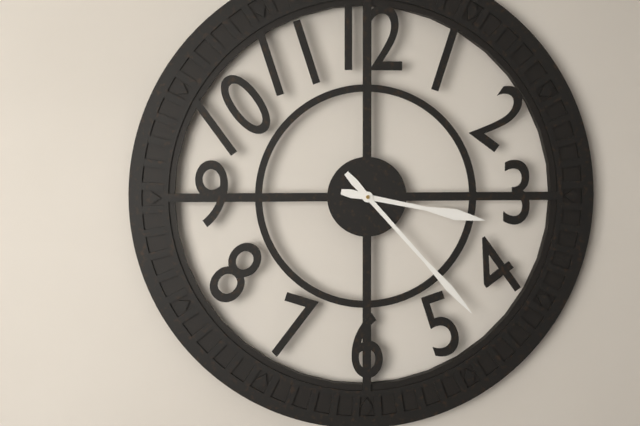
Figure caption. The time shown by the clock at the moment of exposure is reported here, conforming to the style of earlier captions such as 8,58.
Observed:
3,23
